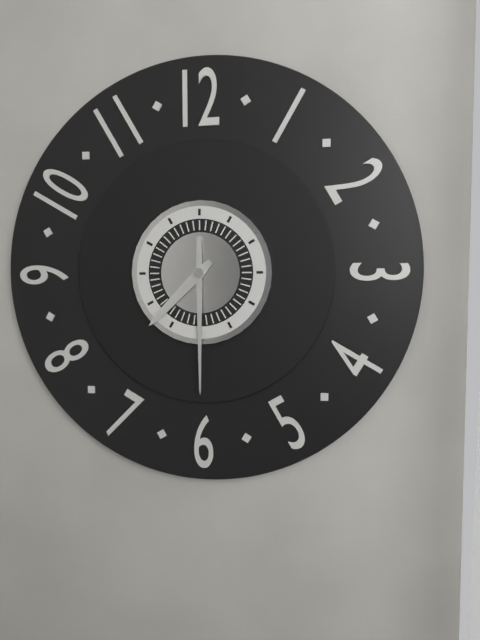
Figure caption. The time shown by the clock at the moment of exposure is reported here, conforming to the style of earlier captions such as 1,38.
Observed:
7,30
